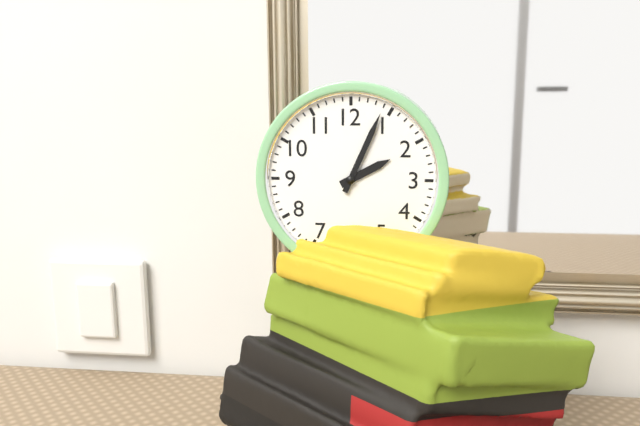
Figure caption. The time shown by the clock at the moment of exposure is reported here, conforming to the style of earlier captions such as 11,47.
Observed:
2,04
